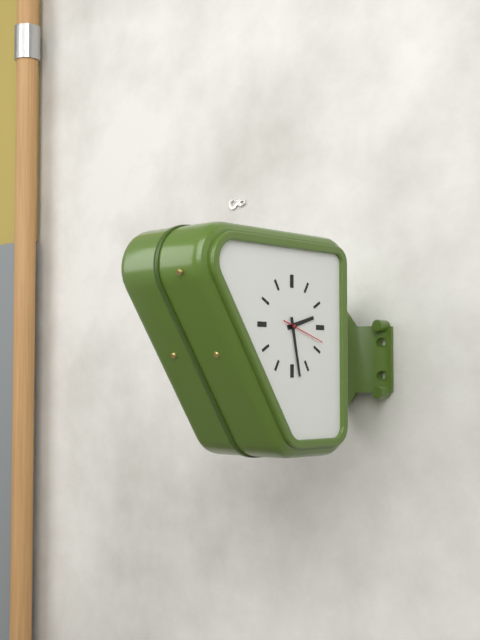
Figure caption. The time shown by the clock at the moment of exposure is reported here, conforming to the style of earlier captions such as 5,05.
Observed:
2,28
